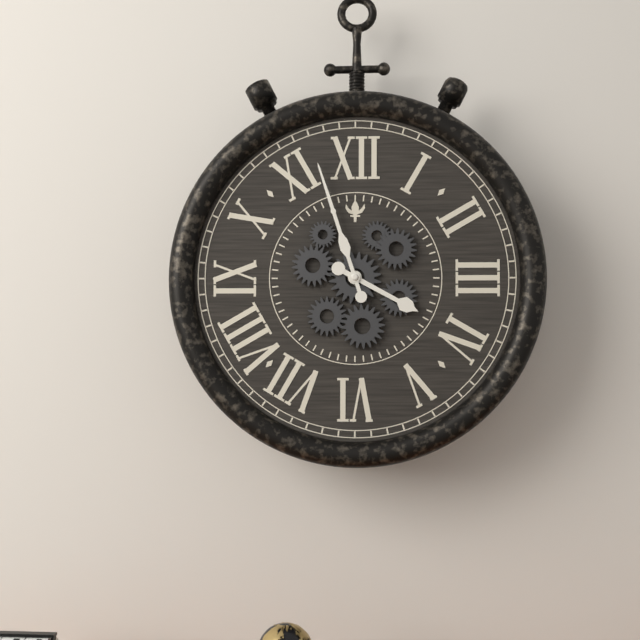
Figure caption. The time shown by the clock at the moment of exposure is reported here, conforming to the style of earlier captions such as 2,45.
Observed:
3,57
